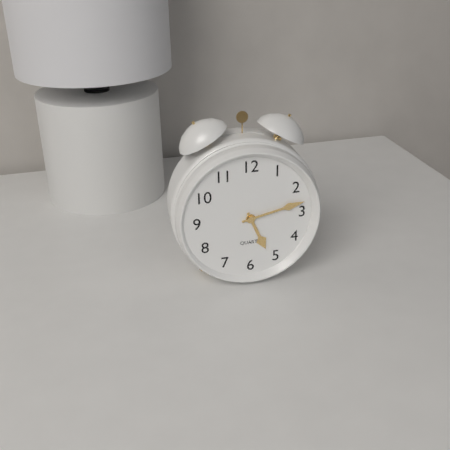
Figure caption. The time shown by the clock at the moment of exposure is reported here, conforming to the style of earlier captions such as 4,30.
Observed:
5,13
